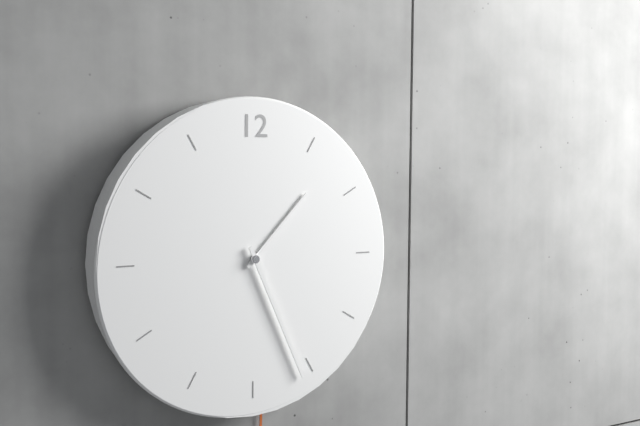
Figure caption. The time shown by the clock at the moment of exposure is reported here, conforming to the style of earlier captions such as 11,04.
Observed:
1,26
